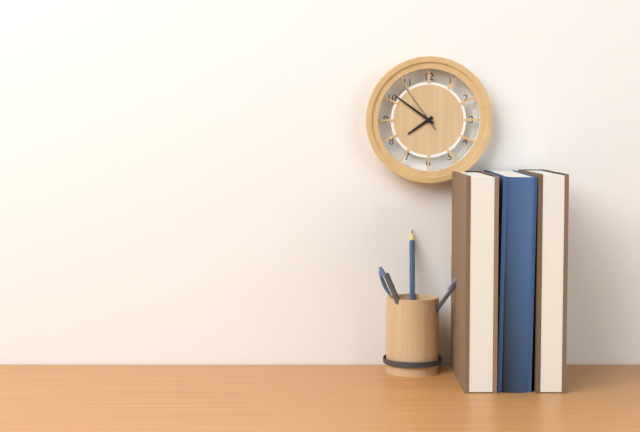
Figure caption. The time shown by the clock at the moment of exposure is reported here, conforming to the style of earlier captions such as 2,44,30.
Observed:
7,51,54
